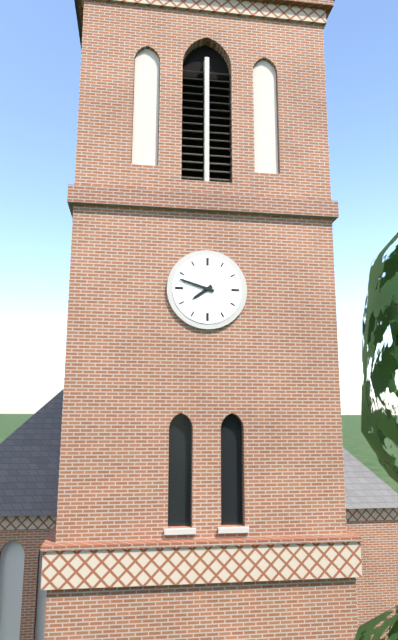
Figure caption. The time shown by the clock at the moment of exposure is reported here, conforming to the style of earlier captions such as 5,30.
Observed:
7,48
